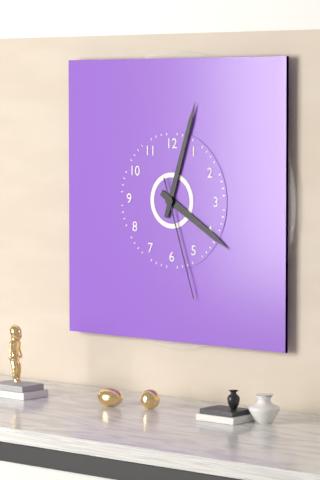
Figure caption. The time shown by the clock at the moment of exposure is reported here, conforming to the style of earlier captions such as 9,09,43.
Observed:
4,03,27
